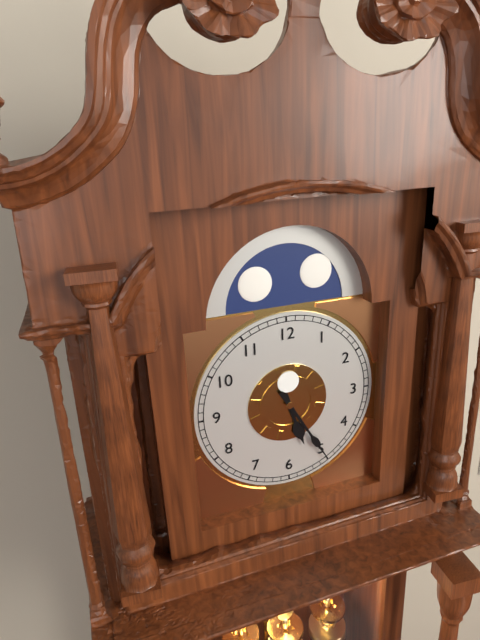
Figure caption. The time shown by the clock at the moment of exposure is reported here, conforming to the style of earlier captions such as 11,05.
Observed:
5,25
